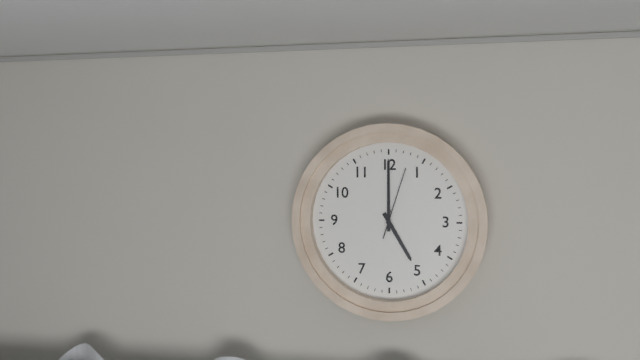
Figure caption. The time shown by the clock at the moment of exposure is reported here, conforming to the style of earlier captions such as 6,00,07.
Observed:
5,00,03
